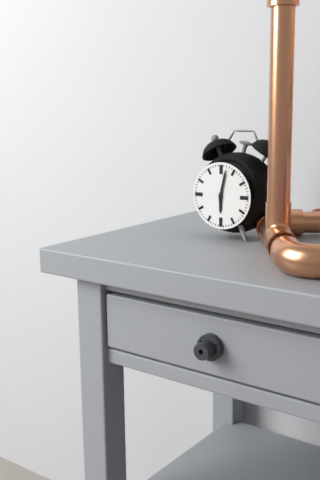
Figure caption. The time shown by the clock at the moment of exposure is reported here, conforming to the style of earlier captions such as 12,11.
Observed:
6,02
